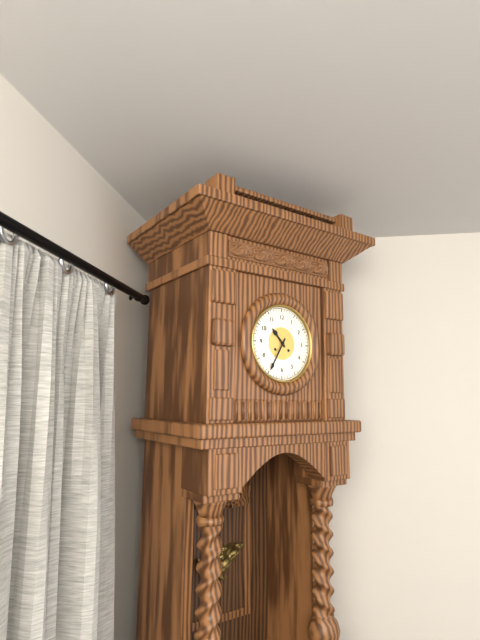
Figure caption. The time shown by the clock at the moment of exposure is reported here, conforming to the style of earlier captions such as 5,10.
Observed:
10,35
